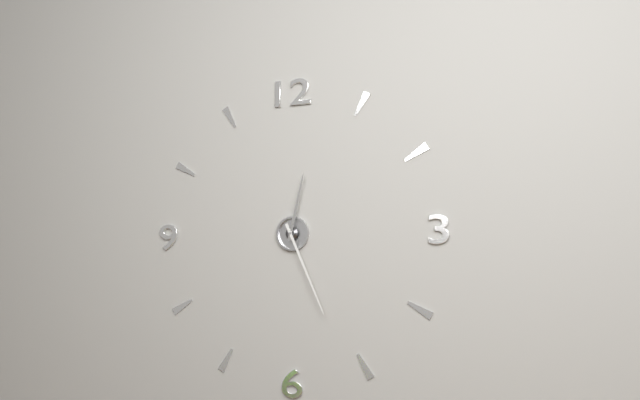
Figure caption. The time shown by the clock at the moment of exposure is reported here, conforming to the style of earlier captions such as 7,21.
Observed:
12,26
